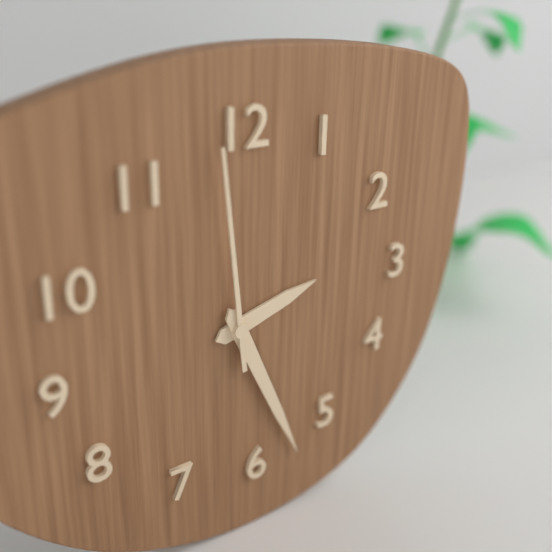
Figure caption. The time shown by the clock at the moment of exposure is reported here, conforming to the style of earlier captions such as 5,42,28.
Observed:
2,26,59
